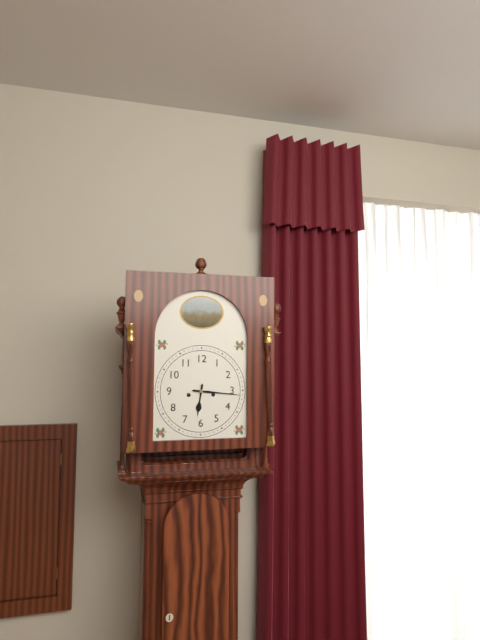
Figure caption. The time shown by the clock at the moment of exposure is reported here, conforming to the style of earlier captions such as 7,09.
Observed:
6,16
